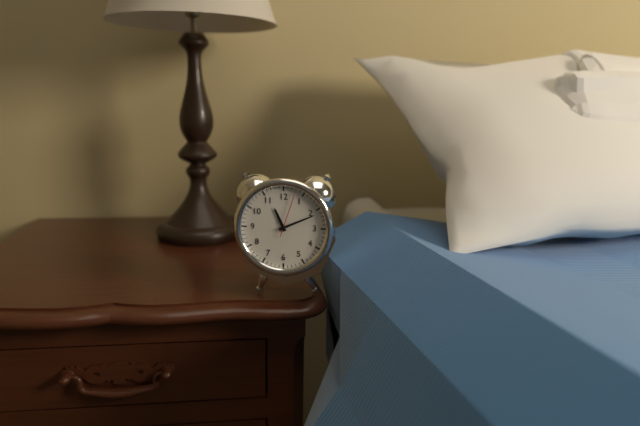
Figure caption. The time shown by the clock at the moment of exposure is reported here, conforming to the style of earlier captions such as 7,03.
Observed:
11,11
